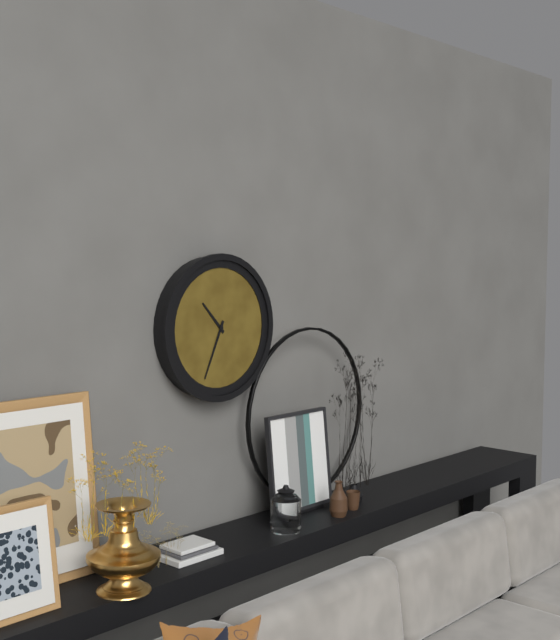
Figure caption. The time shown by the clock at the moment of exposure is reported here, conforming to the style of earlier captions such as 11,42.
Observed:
10,34
